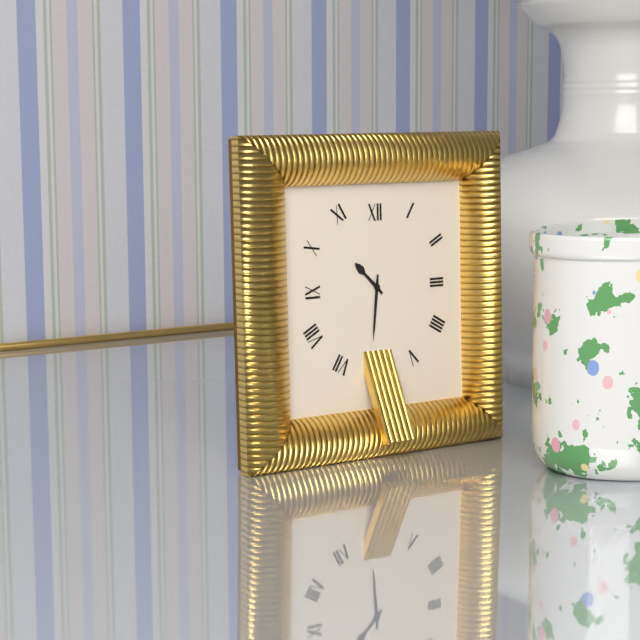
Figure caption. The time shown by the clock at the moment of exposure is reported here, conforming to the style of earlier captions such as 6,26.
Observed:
10,31
